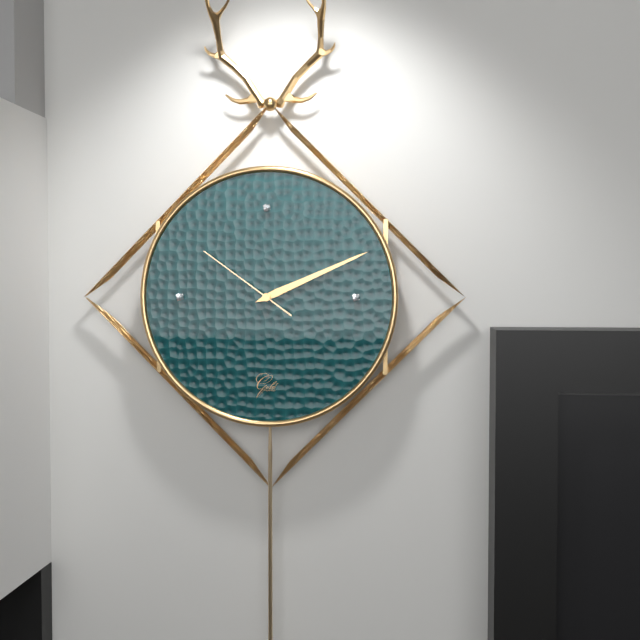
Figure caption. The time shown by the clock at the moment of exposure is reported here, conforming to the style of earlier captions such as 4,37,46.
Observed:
2,11,51
